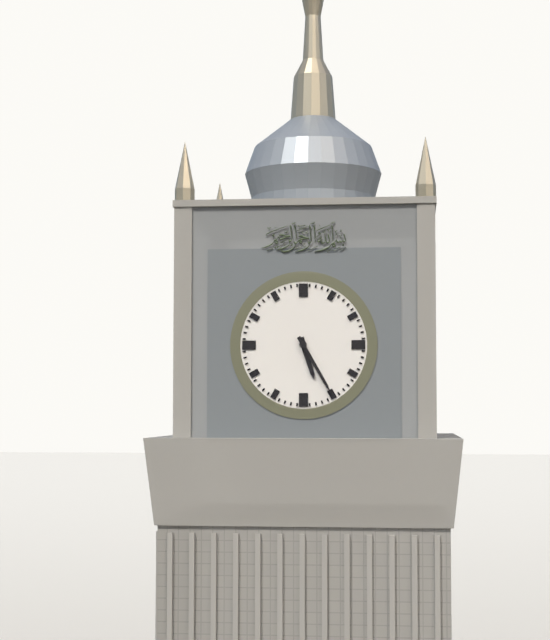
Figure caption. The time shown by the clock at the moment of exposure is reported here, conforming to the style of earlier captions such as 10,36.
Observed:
5,25
